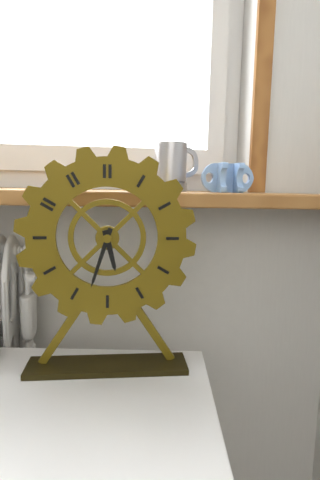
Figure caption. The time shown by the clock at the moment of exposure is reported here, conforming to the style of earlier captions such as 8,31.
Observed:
5,33
